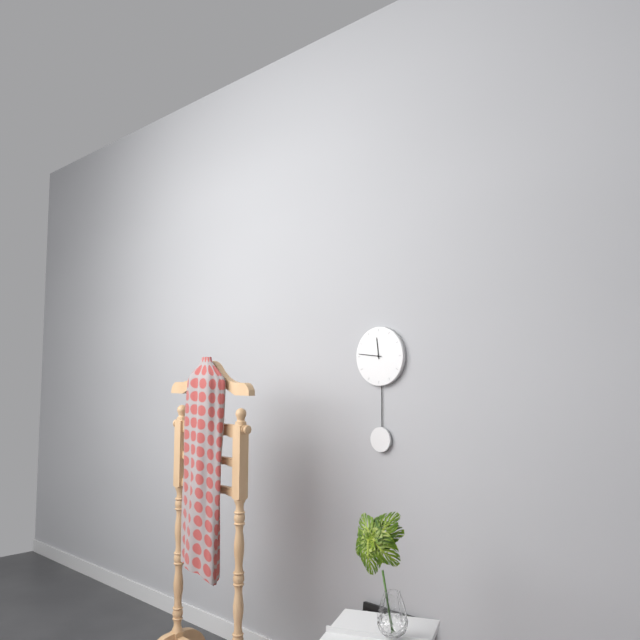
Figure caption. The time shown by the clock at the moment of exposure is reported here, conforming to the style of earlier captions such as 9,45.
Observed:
11,46
